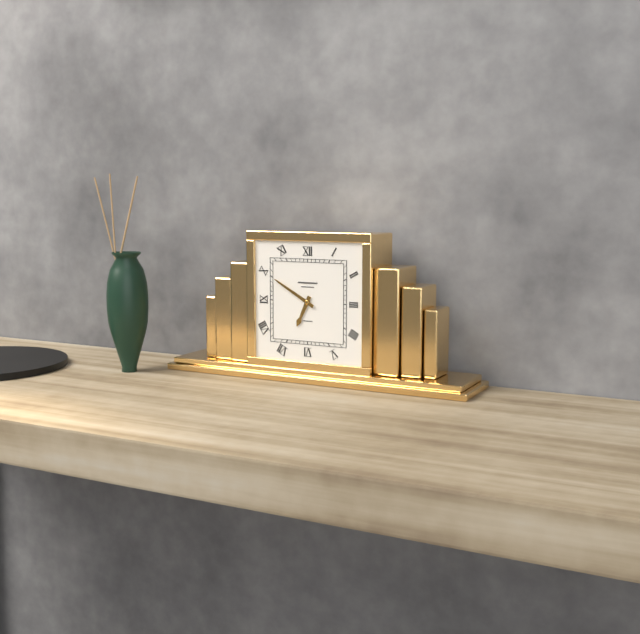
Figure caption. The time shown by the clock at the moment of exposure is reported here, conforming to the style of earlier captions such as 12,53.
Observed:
6,50
